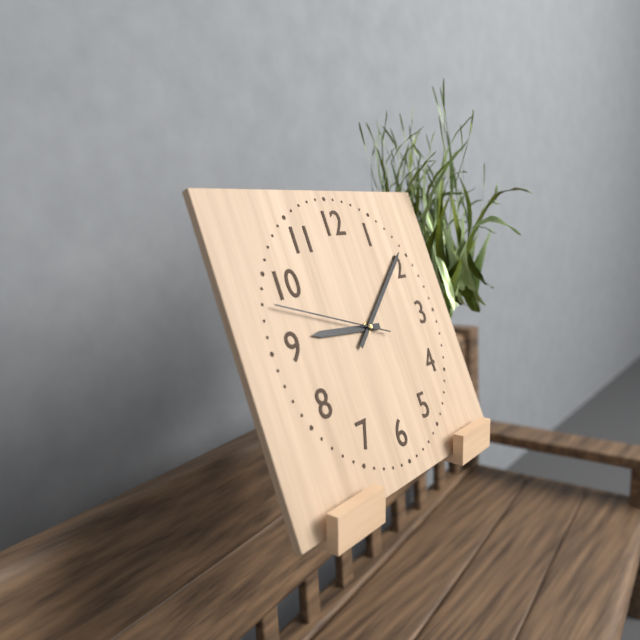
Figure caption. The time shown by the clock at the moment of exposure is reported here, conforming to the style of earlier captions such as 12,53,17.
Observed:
9,09,48
